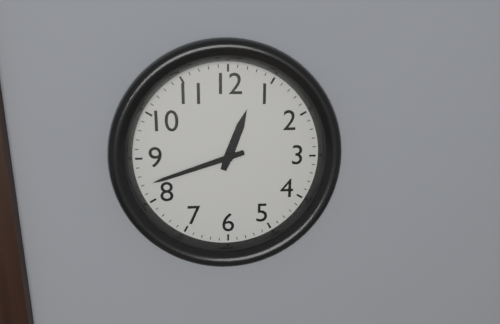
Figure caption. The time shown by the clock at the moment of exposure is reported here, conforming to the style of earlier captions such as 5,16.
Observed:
12,42
